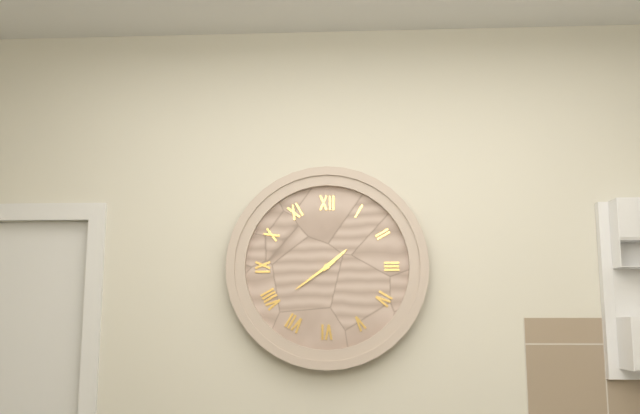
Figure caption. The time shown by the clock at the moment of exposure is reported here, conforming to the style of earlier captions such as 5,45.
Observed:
1,39
